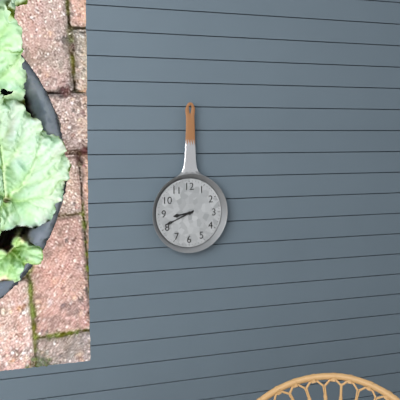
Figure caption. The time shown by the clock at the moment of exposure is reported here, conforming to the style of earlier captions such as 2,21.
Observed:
8,41
